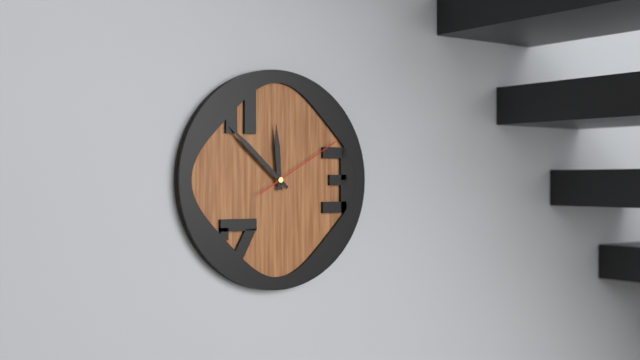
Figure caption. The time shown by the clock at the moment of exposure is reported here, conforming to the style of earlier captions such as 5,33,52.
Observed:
11,52,10
